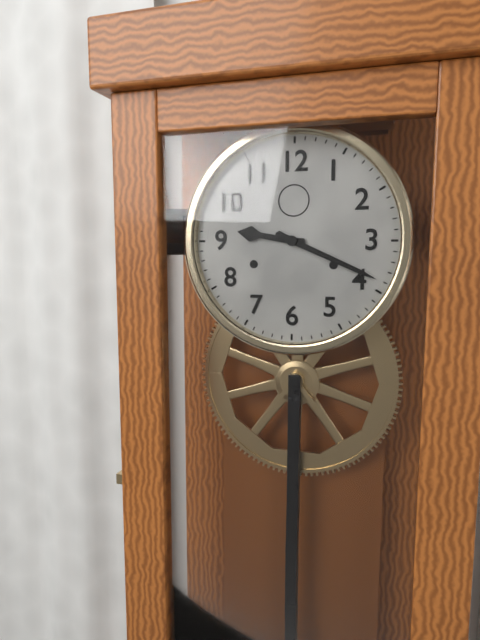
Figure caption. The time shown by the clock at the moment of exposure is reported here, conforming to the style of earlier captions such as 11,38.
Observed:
9,19
